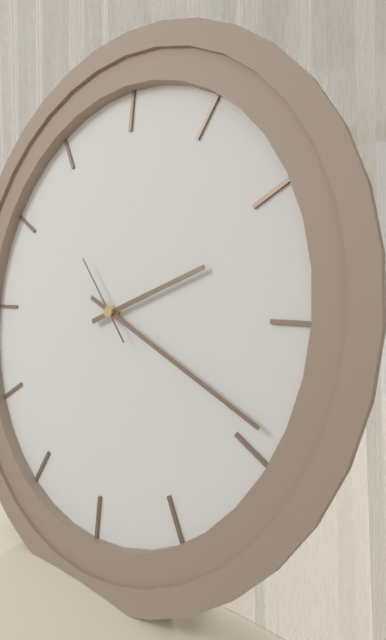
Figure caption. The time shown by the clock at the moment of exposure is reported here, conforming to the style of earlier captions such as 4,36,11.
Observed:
2,19,53
